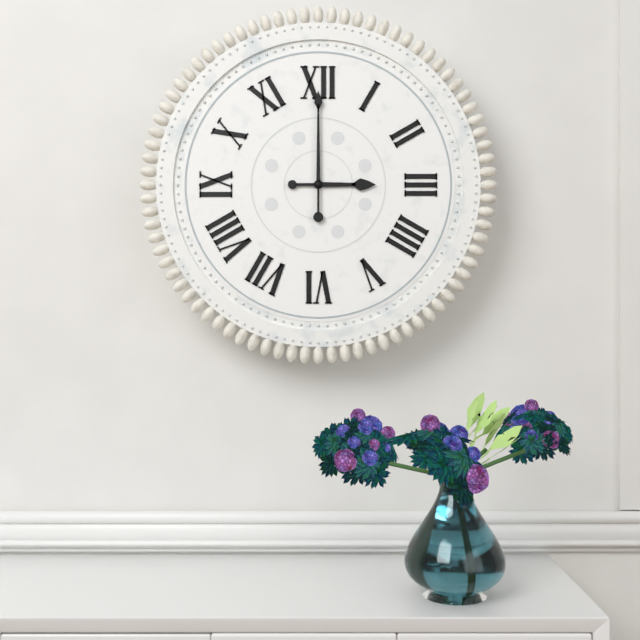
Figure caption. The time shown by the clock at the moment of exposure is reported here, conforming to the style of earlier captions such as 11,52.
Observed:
3,00
